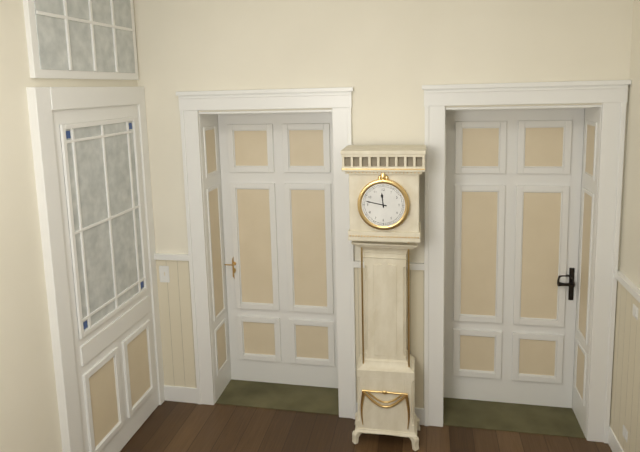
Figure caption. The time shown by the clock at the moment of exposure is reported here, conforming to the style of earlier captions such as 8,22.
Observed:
11,47
